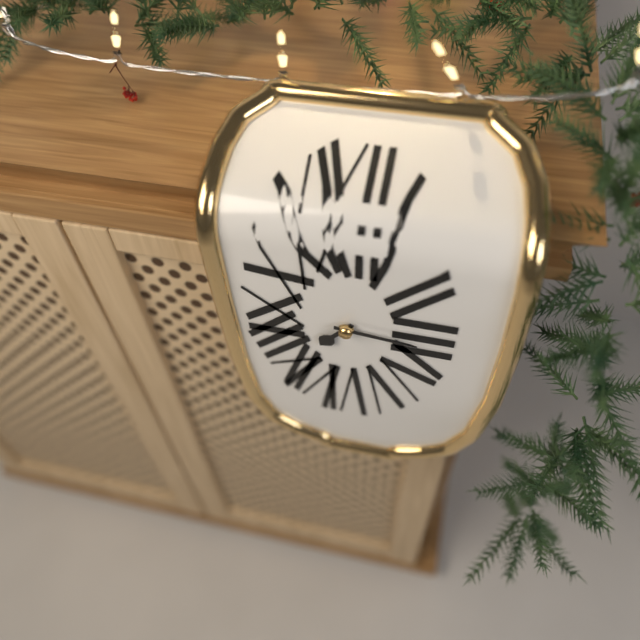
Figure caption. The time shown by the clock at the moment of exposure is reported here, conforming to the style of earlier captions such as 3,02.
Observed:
7,16
